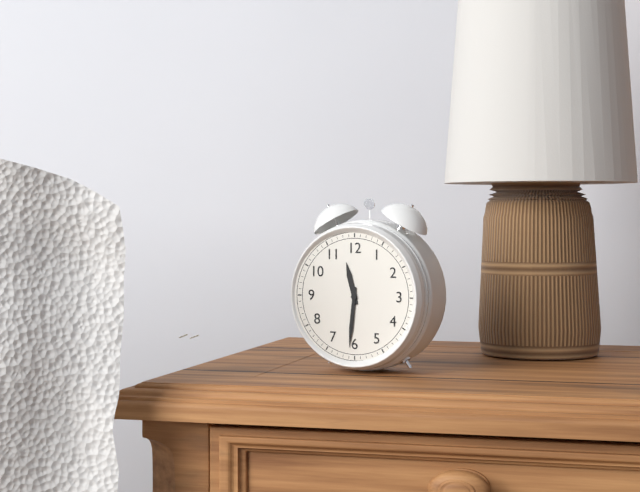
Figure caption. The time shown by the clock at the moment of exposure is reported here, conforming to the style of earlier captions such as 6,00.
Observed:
11,31
